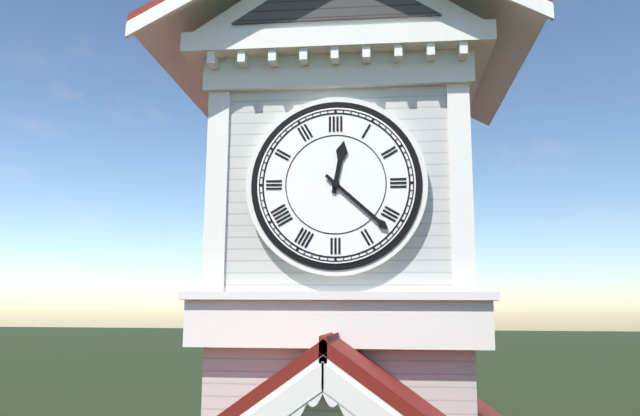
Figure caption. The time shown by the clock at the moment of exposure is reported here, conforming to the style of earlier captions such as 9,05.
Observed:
12,22
